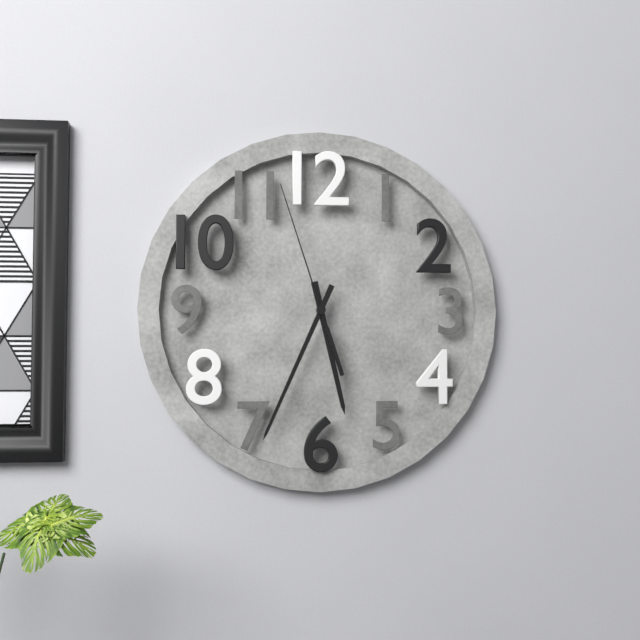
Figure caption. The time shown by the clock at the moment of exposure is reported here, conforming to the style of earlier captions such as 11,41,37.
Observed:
5,34,57
